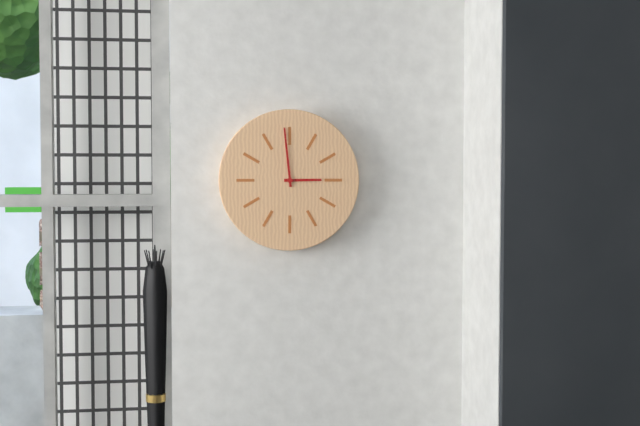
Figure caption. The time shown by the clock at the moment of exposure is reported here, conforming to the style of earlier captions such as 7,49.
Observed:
2,59
